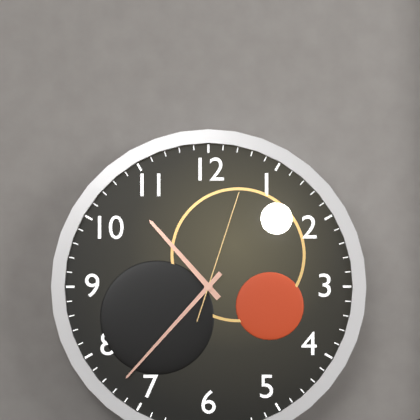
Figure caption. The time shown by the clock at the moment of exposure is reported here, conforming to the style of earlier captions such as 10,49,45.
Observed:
10,37,03
